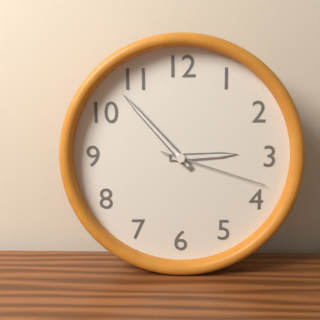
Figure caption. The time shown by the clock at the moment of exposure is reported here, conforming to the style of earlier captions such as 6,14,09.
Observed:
2,53,18
